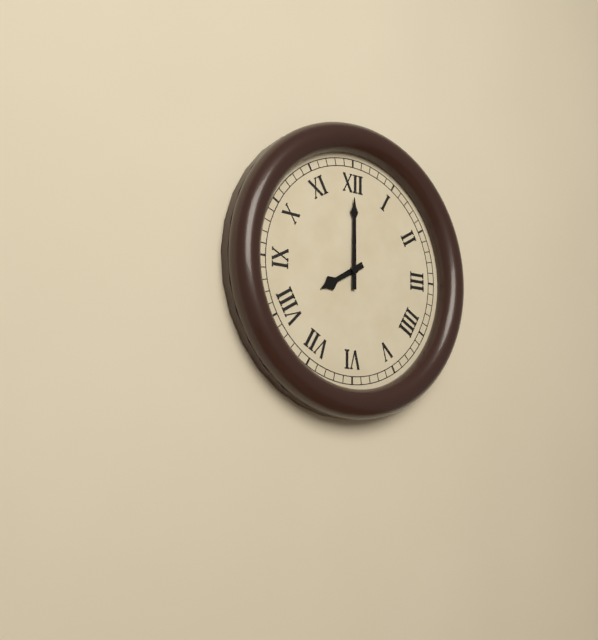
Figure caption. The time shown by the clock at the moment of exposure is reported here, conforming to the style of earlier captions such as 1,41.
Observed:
8,00
